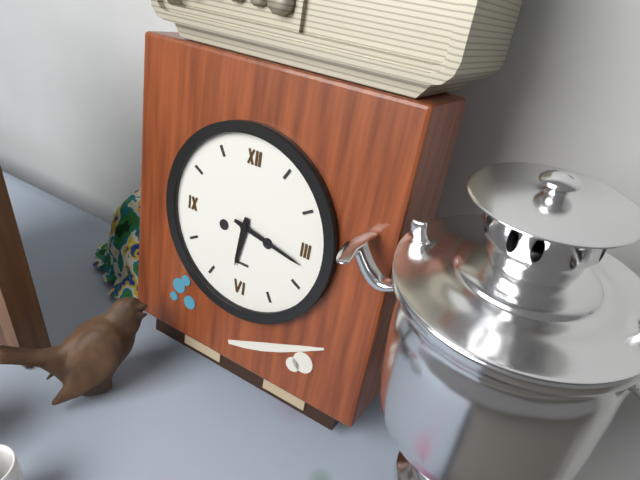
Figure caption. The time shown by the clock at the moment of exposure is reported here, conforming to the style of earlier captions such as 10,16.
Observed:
6,17
